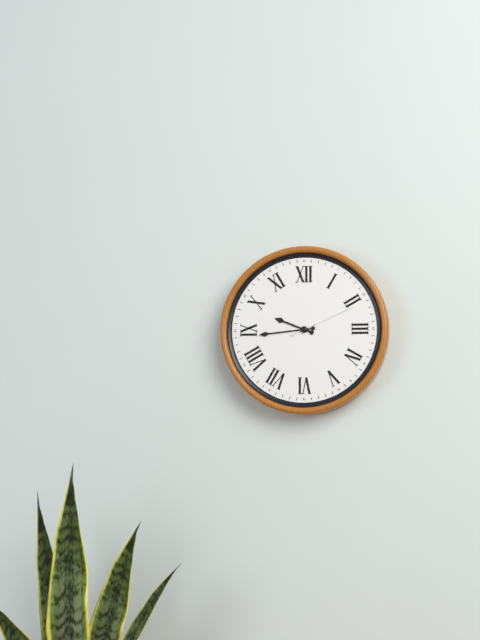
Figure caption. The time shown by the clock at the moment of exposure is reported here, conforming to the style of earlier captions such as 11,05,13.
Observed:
9,44,11
